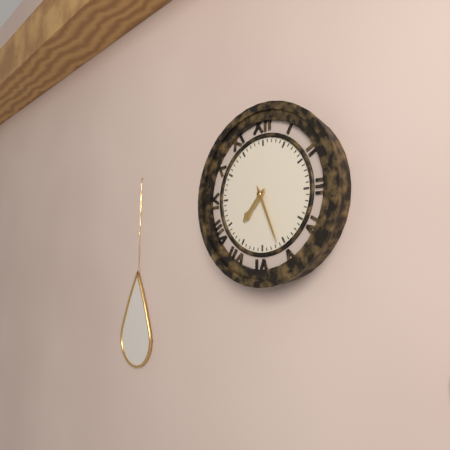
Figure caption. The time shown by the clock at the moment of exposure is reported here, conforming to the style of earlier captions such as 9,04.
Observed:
7,26
